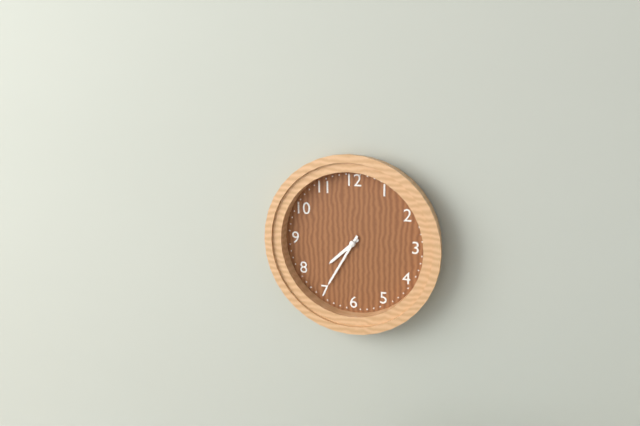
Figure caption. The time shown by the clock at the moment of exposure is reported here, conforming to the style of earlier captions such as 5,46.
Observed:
7,35
